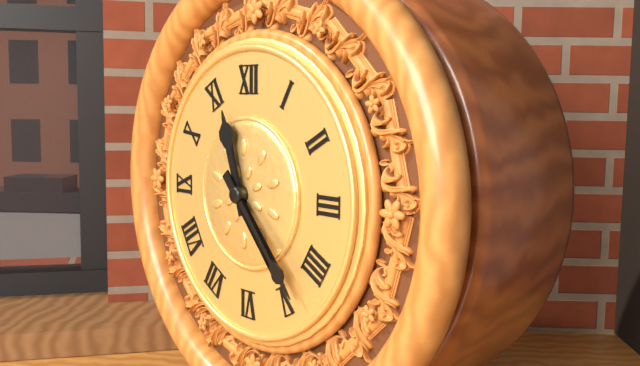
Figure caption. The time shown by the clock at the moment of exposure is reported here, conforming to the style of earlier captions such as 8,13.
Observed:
11,23
